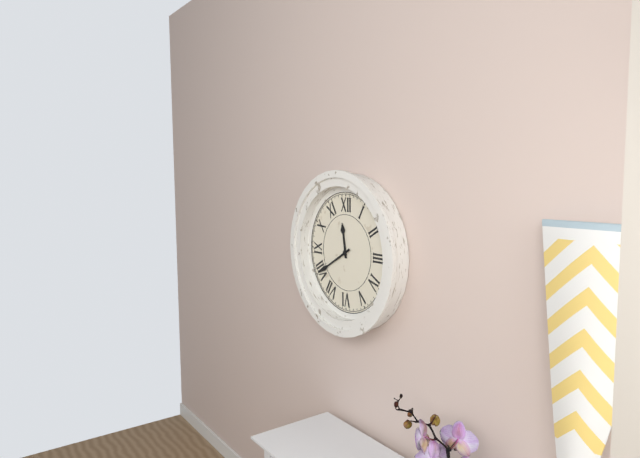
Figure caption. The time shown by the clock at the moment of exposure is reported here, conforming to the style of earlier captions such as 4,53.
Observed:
11,40
